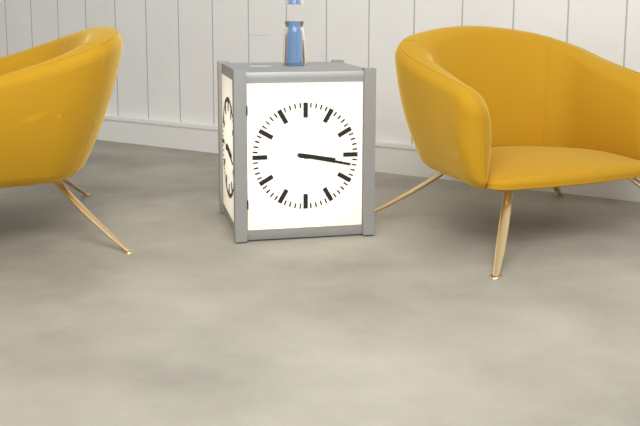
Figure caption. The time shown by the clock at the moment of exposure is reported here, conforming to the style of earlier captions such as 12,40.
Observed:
3,17
